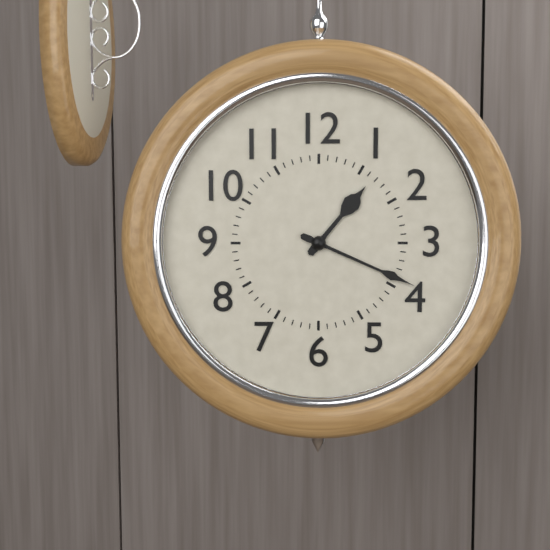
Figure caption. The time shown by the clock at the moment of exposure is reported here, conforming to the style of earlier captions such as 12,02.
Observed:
1,19
